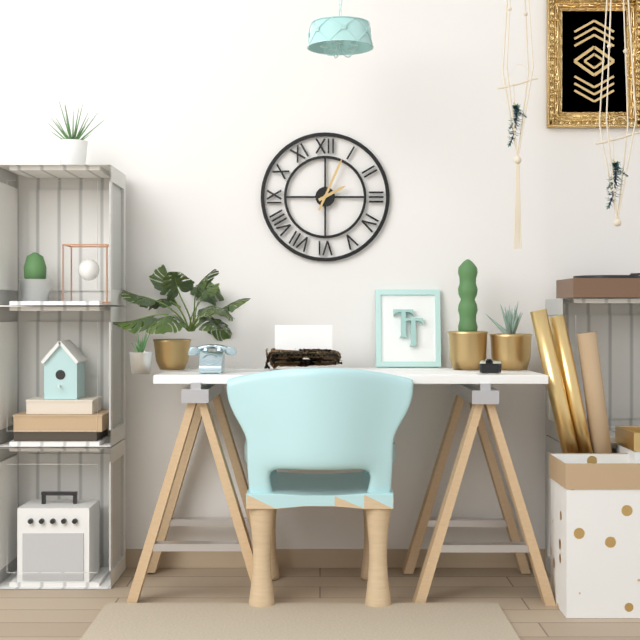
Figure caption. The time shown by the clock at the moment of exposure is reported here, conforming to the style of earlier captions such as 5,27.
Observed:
2,04
